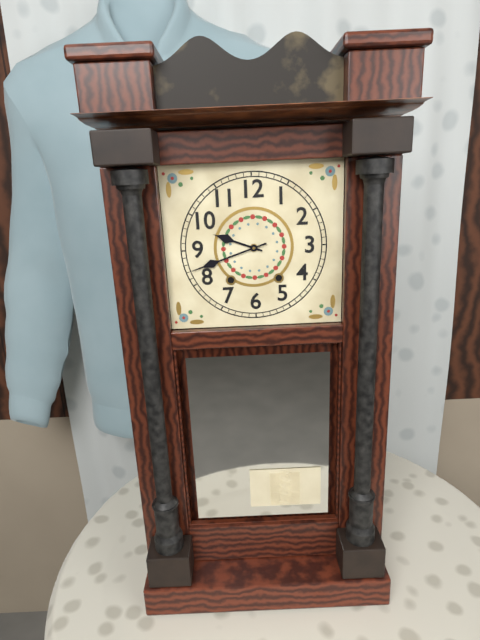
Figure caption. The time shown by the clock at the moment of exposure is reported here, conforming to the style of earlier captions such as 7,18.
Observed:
9,42
